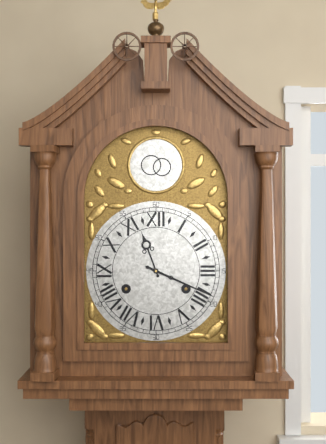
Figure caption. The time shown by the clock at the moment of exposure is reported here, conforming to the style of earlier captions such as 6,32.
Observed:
11,19
